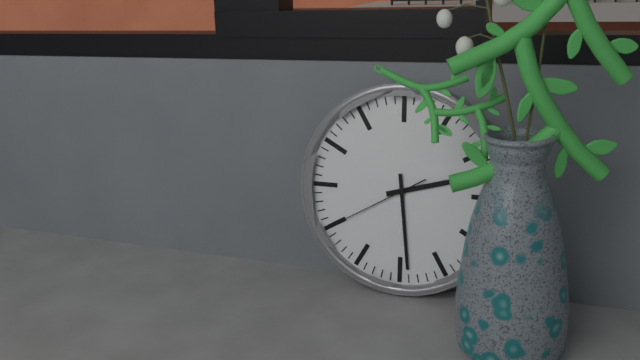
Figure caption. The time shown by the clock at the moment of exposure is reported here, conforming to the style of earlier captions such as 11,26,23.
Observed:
2,29,40
